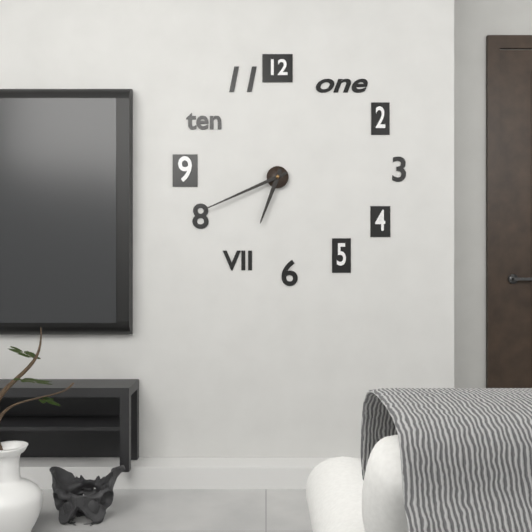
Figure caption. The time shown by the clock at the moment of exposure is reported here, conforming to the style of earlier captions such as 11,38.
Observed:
6,41
